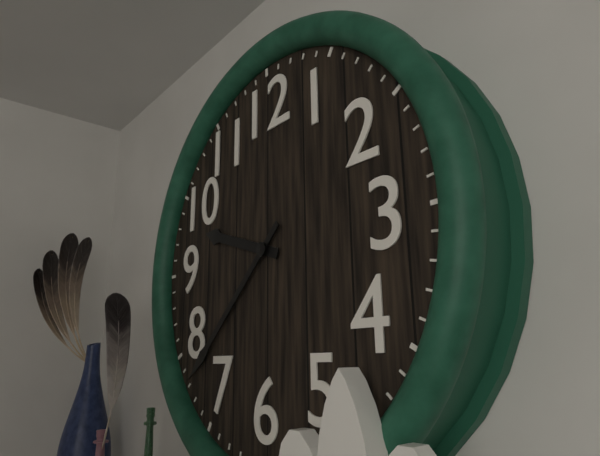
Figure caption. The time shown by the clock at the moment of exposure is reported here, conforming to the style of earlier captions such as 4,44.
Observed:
9,38
